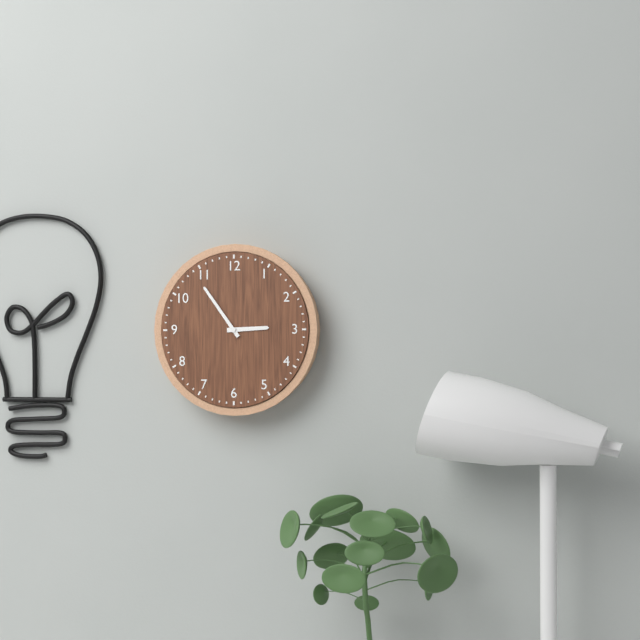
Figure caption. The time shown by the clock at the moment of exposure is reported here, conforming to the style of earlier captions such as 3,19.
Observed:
2,54
